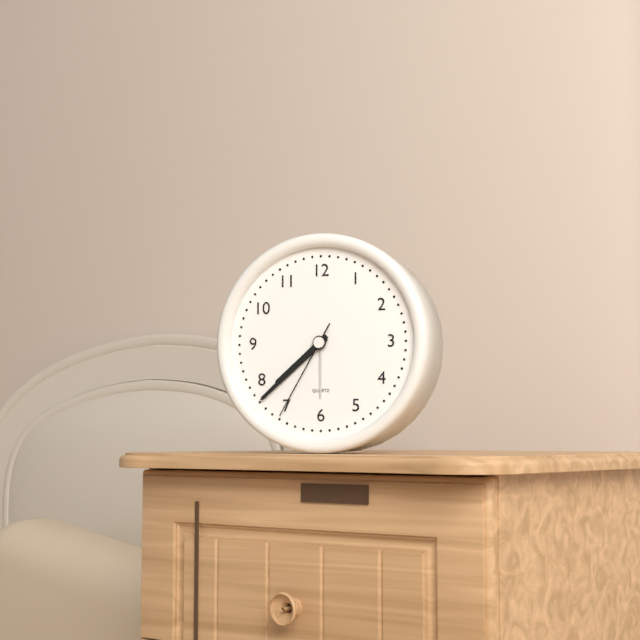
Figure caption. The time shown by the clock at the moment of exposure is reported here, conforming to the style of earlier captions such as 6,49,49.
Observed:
7,38,35
